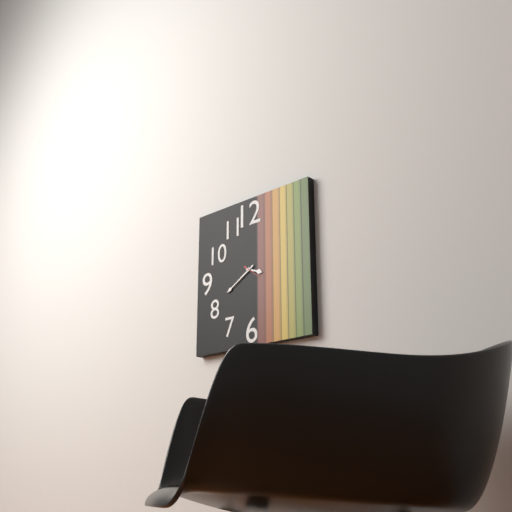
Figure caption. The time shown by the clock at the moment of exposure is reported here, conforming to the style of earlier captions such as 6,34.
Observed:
3,40
